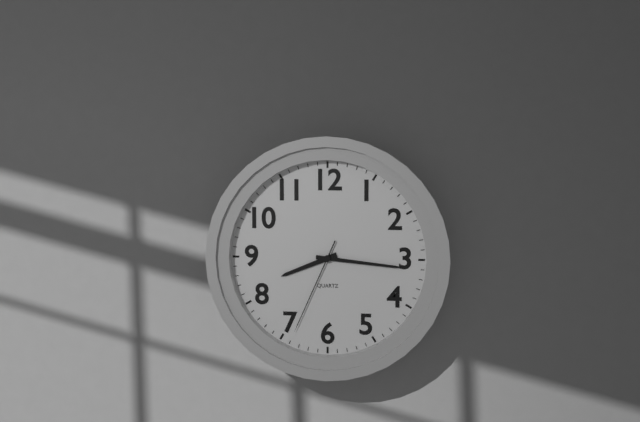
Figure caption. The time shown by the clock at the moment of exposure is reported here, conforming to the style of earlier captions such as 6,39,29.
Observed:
8,16,34
